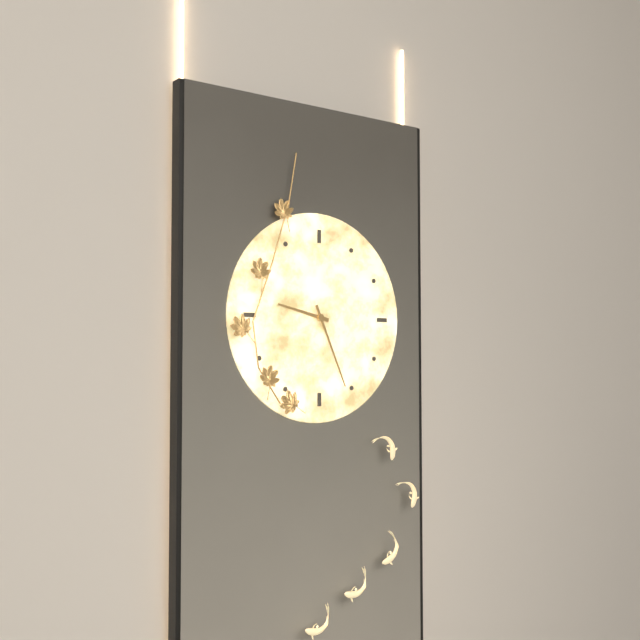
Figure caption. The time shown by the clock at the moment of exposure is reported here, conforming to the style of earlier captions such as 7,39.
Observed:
9,26
